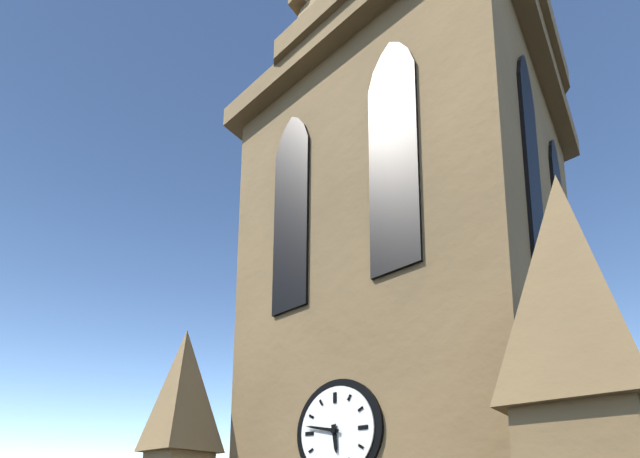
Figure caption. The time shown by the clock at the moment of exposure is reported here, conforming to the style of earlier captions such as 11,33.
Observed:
5,47
